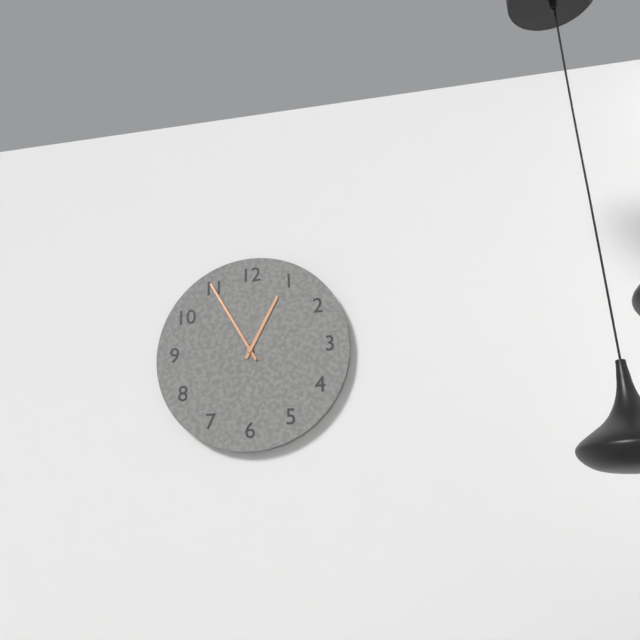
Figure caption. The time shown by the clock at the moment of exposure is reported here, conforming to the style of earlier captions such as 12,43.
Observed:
12,55
